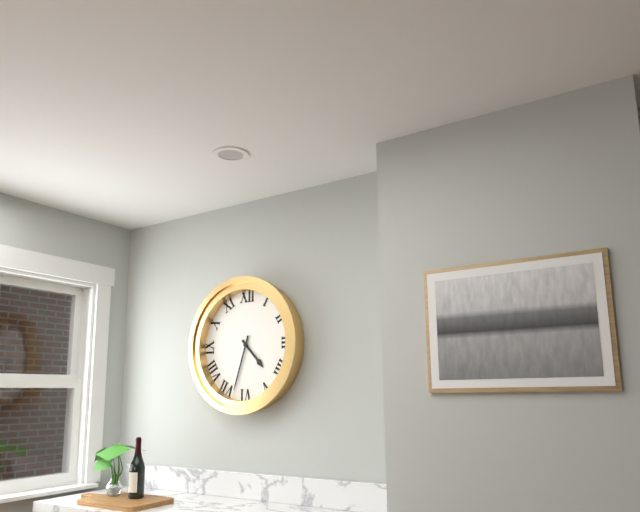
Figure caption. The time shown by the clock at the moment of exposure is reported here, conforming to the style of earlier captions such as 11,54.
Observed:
4,33
